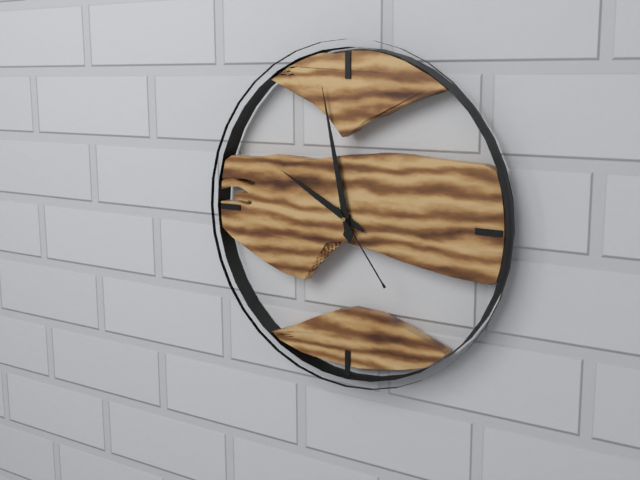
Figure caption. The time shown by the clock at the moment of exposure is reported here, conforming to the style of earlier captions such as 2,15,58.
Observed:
9,58,24
